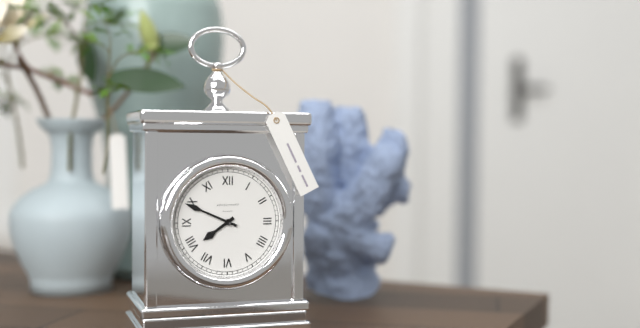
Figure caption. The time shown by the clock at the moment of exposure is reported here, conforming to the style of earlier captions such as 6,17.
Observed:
7,49
